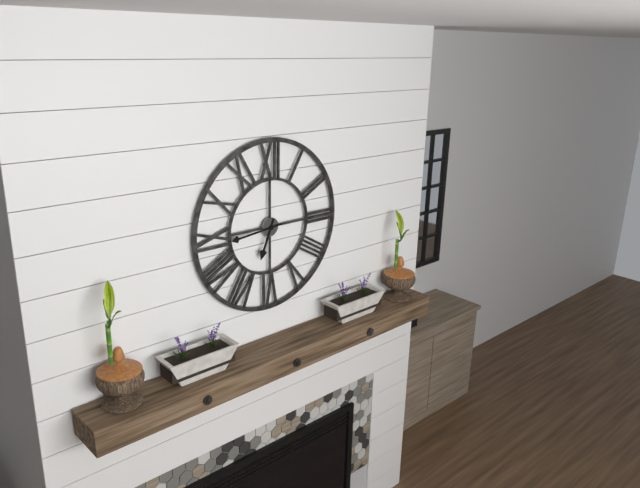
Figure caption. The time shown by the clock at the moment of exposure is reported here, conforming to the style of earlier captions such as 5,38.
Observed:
6,44
